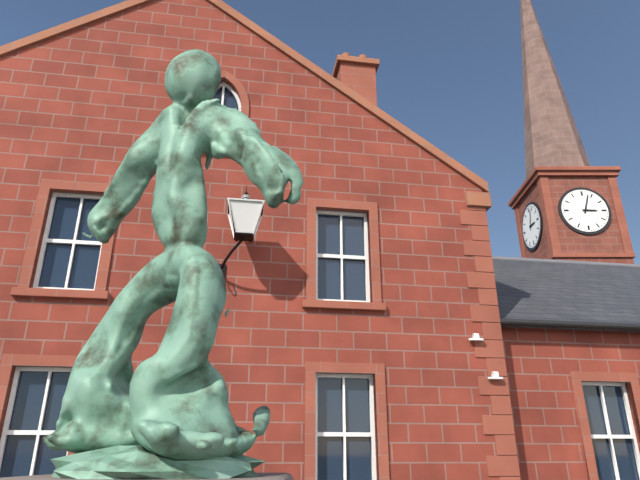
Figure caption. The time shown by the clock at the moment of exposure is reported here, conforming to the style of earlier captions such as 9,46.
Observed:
3,03
